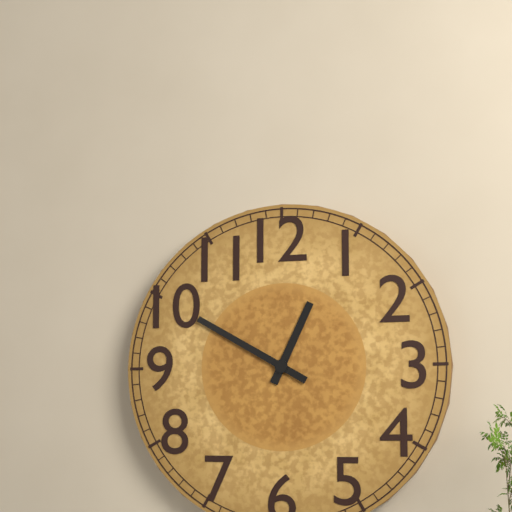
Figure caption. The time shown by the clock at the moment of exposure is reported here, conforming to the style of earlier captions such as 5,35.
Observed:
12,50
